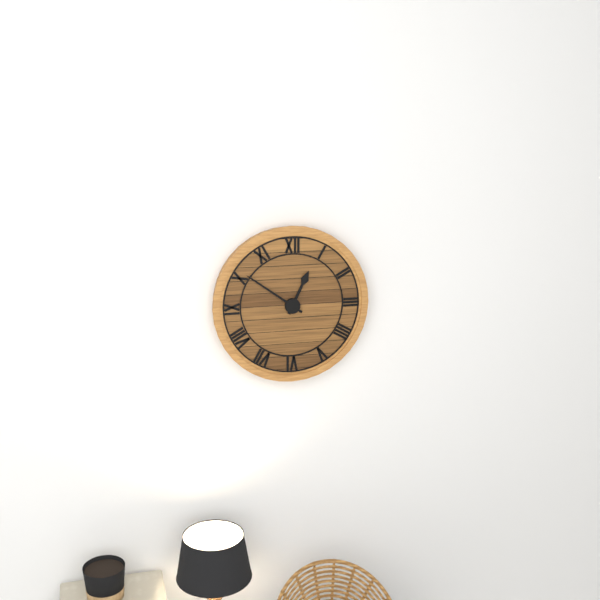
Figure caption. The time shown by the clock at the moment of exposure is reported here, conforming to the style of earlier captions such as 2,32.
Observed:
12,51
